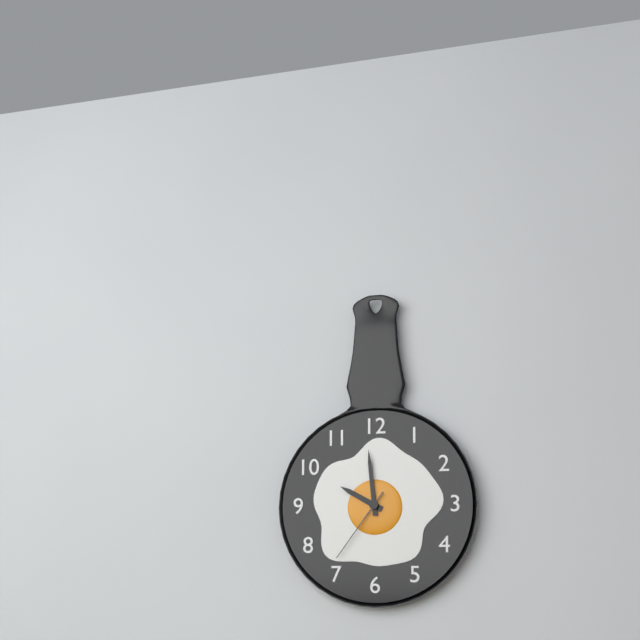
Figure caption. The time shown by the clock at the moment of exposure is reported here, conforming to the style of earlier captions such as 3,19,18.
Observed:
9,59,36
